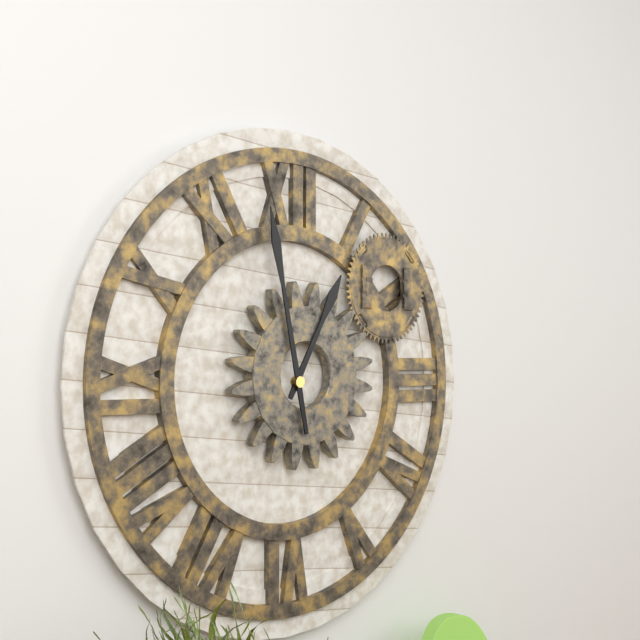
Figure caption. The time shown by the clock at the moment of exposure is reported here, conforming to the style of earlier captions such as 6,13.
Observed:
12,58
